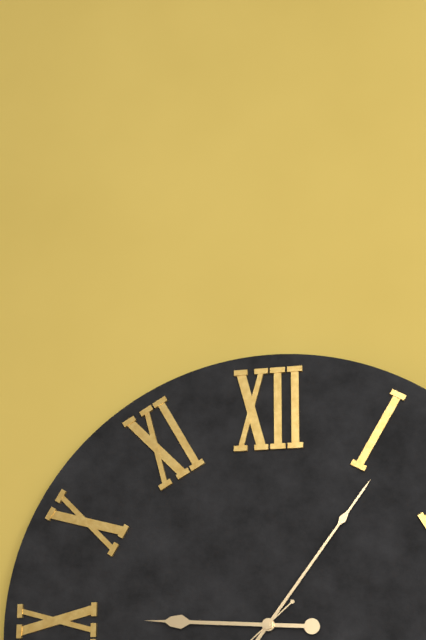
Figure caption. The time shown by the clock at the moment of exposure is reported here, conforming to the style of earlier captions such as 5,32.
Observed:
9,06
